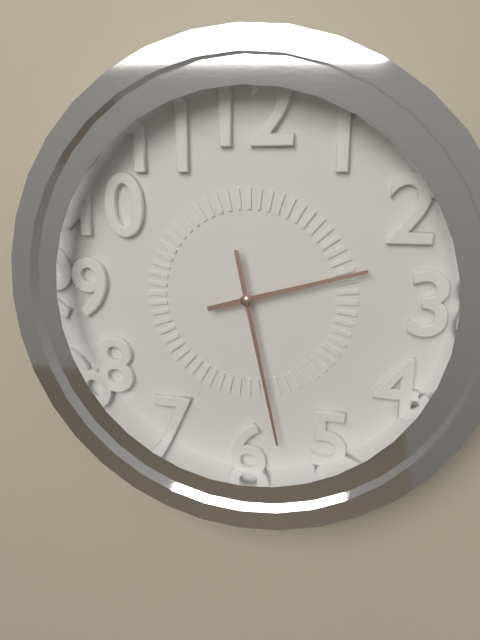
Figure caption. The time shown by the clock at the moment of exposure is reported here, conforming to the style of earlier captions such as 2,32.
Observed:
2,28
